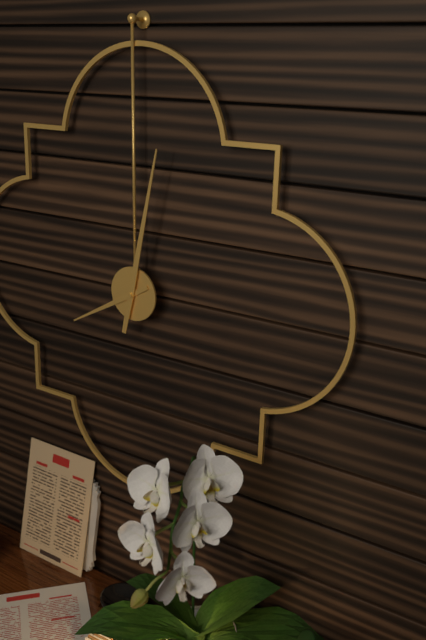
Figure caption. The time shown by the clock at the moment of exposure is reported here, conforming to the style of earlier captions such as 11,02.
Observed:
8,02
